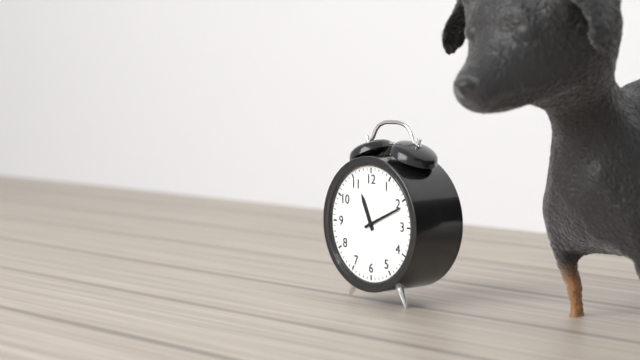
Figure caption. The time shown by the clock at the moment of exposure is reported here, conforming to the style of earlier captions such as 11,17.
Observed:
11,11
